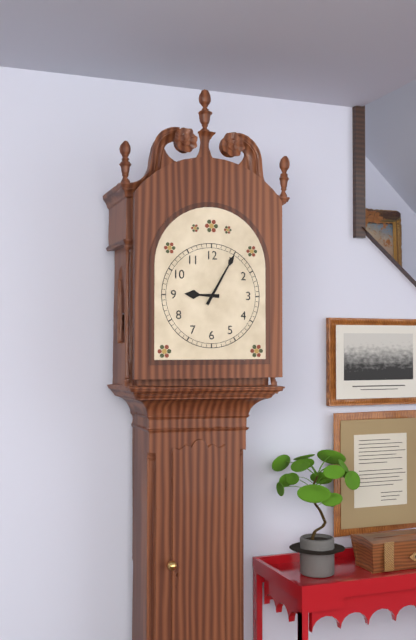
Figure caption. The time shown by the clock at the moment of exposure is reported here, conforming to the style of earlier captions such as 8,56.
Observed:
9,05
